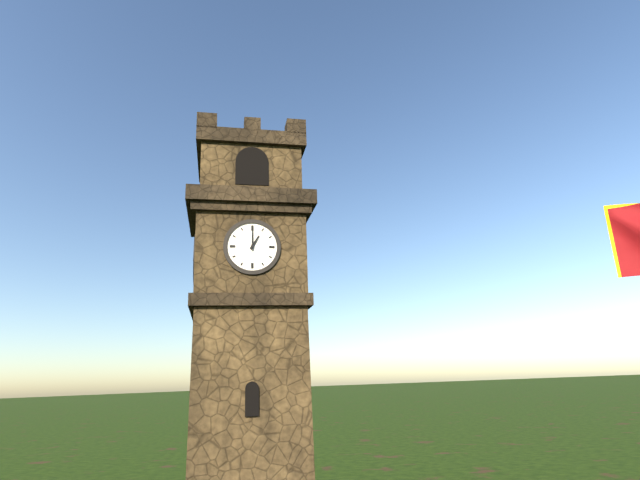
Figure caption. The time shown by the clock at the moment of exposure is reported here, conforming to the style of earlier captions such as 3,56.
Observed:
1,00
